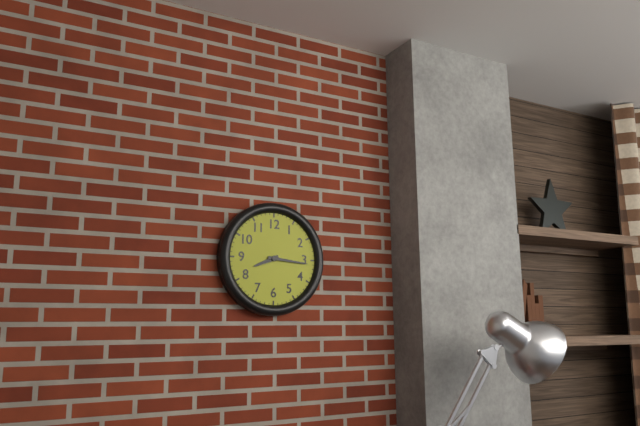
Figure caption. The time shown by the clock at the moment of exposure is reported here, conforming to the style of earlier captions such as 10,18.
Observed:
8,16
